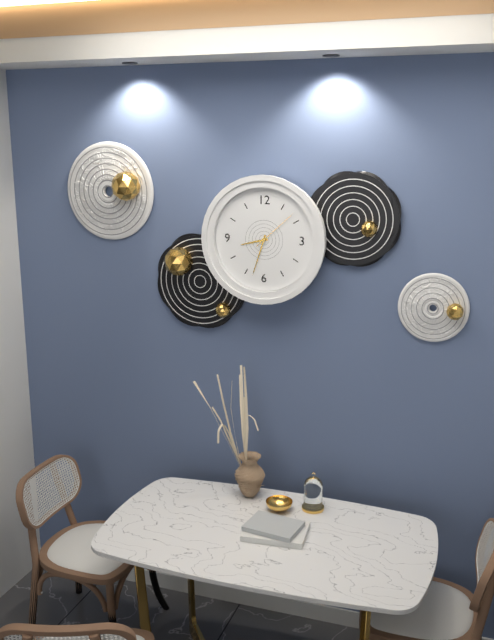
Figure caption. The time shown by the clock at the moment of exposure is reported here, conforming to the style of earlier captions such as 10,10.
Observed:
8,33
